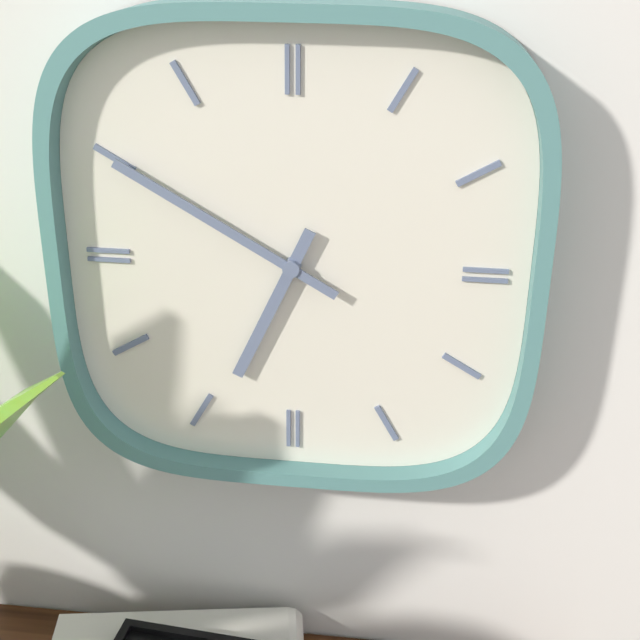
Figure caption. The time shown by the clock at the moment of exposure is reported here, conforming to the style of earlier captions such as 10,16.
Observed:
6,50
